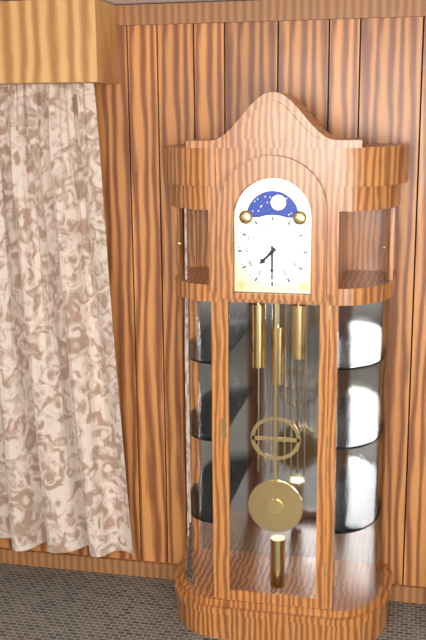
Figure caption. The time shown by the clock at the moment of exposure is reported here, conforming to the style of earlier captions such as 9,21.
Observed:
7,30
